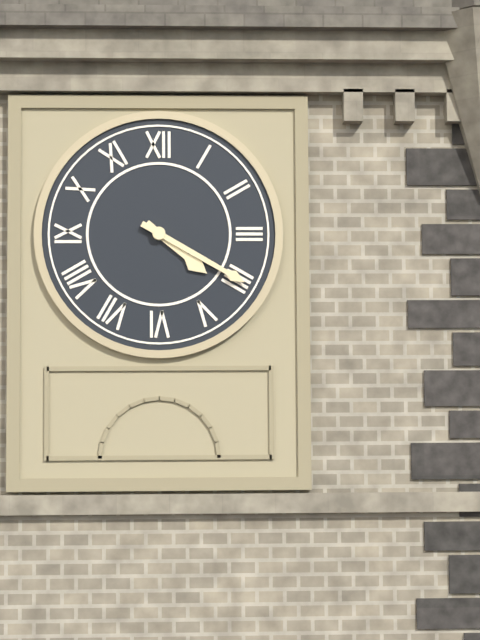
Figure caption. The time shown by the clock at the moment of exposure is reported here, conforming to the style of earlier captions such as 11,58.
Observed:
4,20
